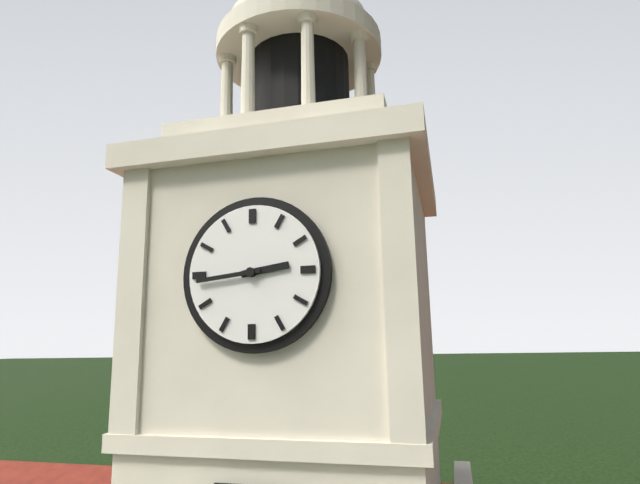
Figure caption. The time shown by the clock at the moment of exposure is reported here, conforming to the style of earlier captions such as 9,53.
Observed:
2,44
